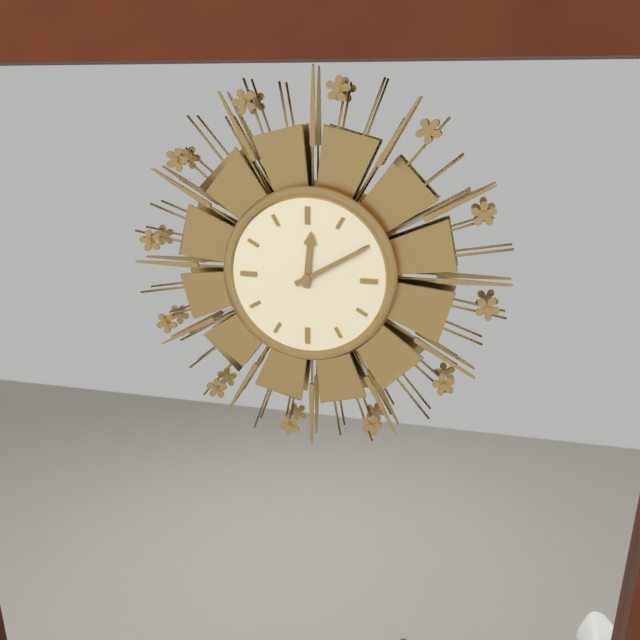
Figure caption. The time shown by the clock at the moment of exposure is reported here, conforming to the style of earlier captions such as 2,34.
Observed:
12,10
